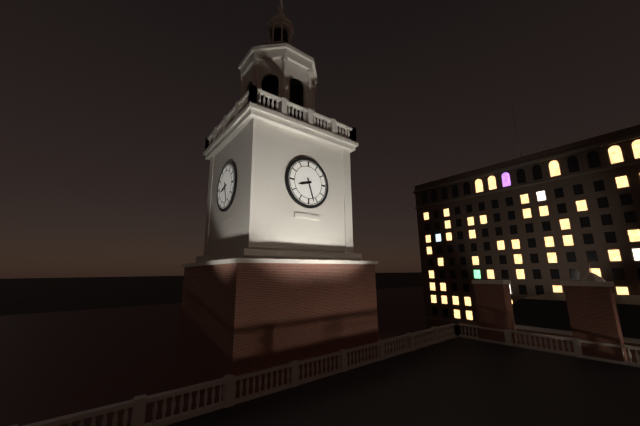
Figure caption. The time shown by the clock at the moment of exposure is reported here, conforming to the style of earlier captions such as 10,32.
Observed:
8,27
